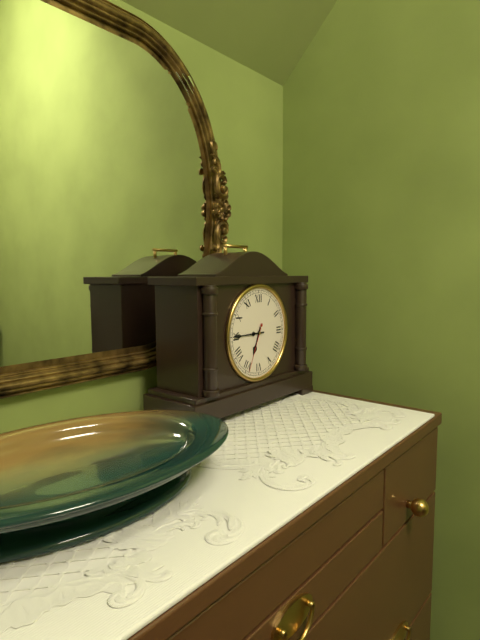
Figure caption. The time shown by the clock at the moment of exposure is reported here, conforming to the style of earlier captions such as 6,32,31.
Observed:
6,45,34
